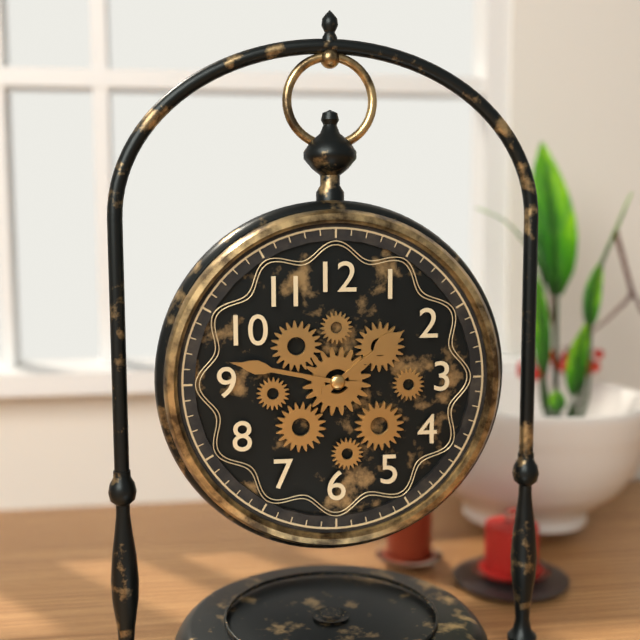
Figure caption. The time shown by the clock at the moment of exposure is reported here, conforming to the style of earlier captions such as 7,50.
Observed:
1,47
